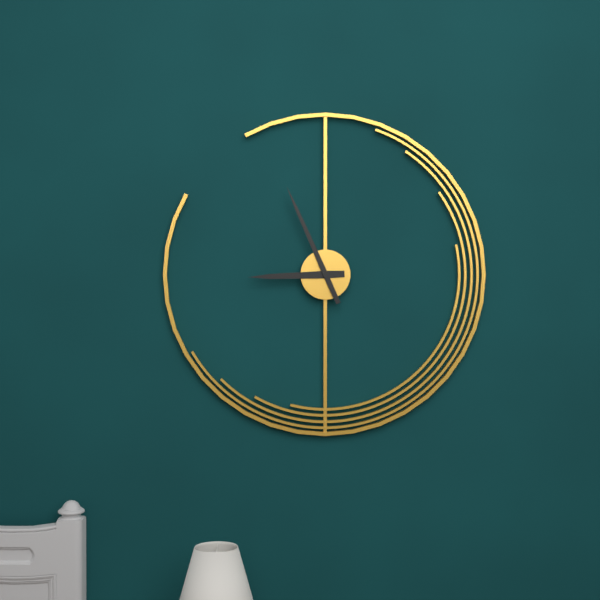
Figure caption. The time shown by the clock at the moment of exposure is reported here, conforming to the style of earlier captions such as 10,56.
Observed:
8,56
